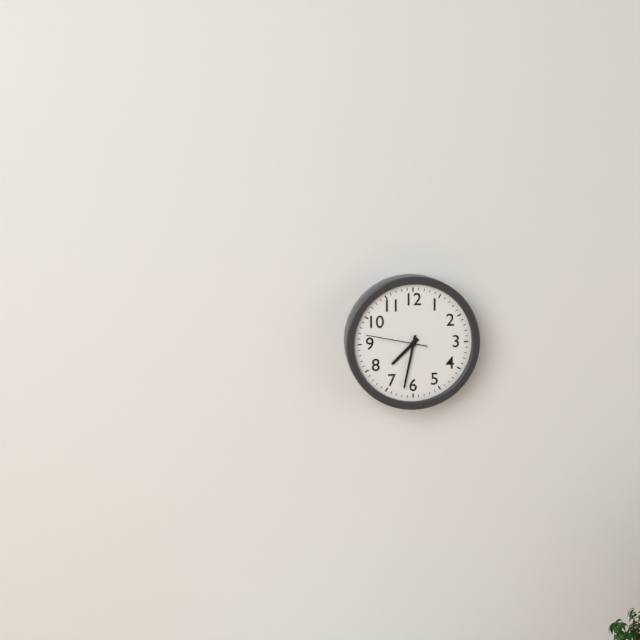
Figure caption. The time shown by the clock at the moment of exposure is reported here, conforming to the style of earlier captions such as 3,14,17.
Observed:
7,32,47
